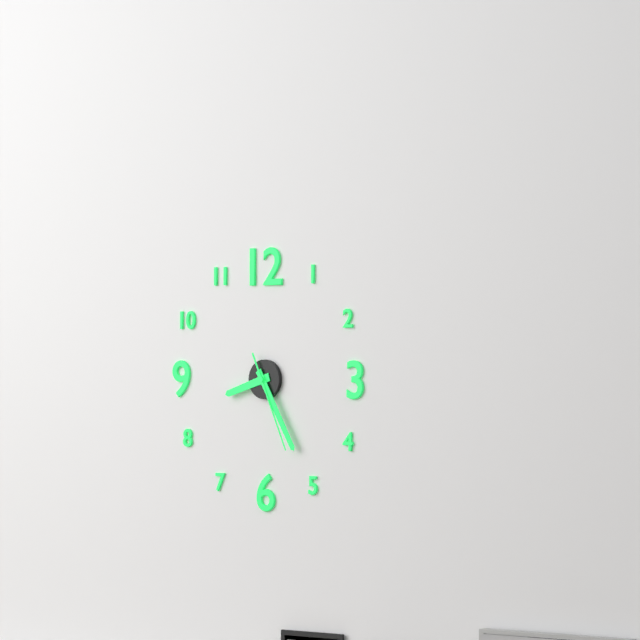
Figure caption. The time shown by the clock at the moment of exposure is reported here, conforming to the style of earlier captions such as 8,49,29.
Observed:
8,25,26
